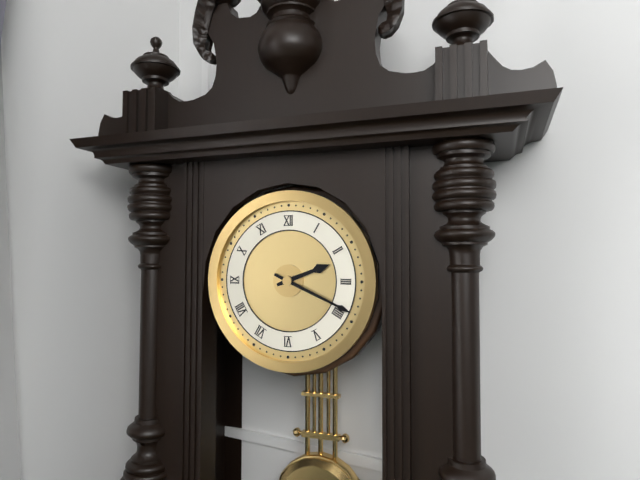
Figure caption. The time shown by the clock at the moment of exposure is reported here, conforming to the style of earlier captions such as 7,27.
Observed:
2,19
